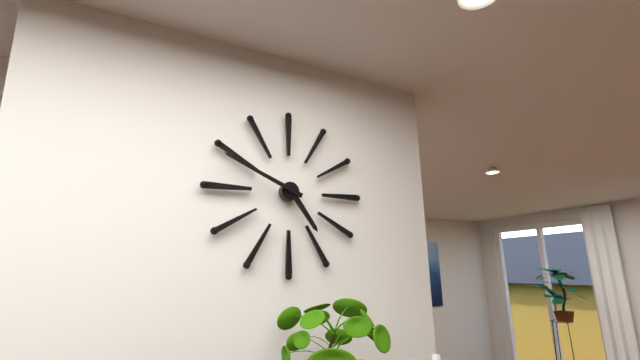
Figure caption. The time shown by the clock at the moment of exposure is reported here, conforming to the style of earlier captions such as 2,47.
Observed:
4,49
